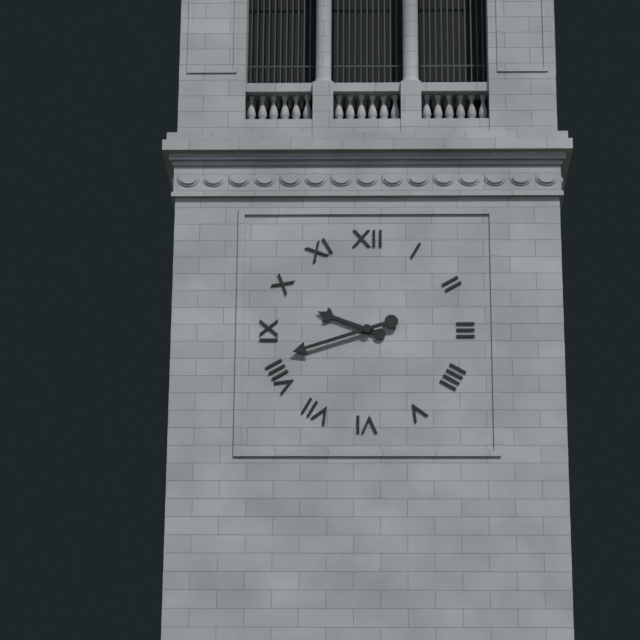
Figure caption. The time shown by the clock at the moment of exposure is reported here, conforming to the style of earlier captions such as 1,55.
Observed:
9,42
